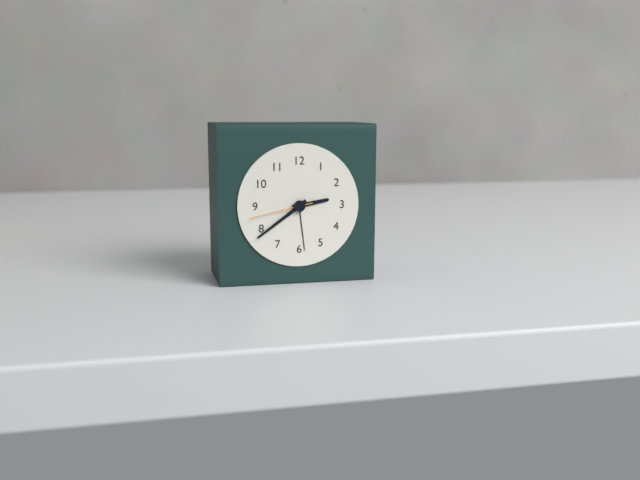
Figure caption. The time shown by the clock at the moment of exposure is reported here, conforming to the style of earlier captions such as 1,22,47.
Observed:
2,39,43
